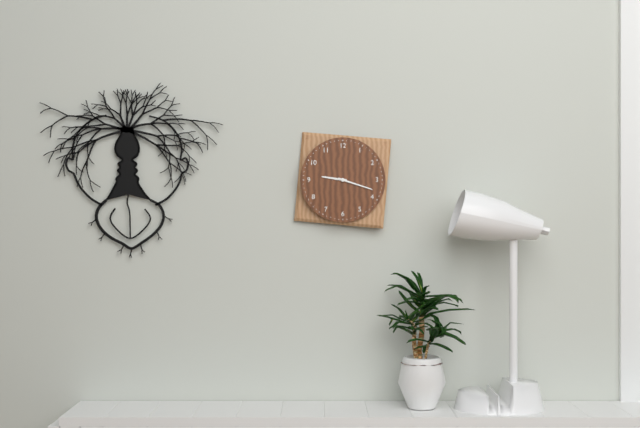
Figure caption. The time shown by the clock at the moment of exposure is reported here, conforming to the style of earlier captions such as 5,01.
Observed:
9,18
